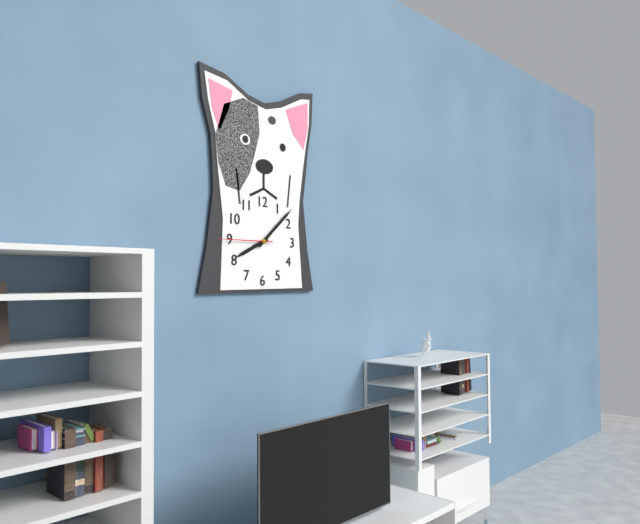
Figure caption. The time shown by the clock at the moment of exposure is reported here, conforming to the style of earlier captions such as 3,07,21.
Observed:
8,08,45
